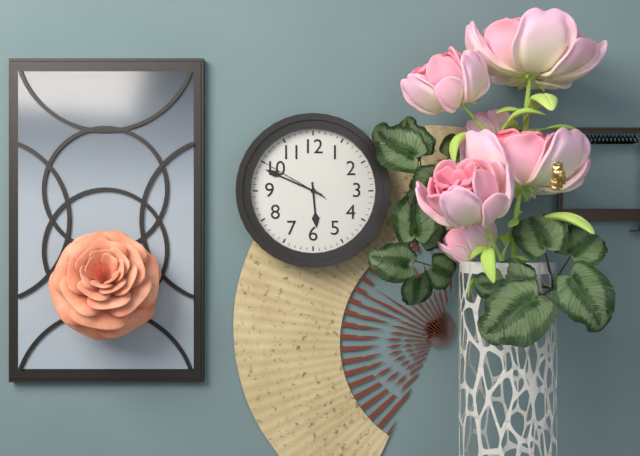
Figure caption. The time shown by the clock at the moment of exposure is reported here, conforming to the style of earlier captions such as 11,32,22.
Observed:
5,49,50
